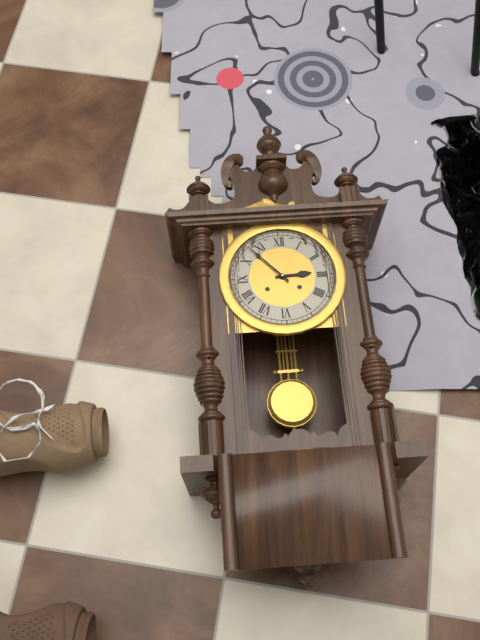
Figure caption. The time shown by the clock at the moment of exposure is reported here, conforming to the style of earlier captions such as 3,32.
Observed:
2,53
